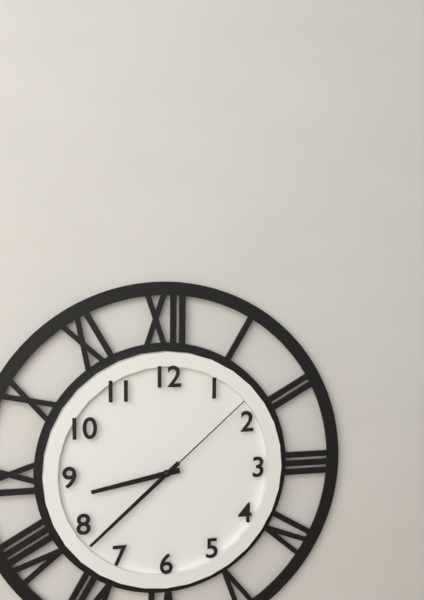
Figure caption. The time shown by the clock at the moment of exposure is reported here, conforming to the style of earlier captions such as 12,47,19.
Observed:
8,38,08
